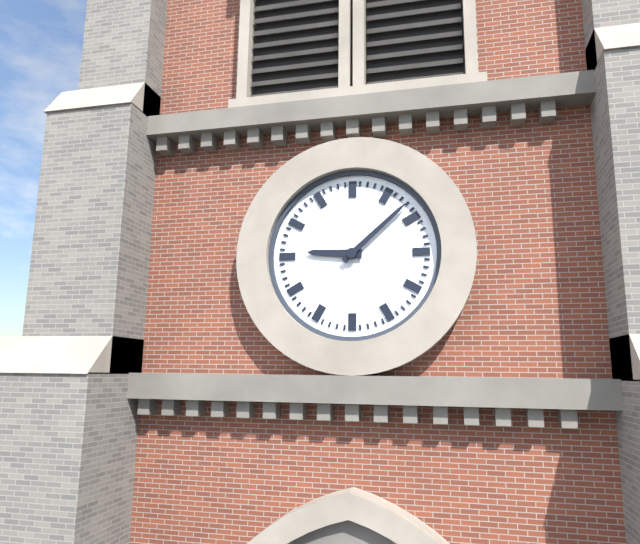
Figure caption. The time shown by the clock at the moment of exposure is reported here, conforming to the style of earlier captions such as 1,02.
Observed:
9,08
